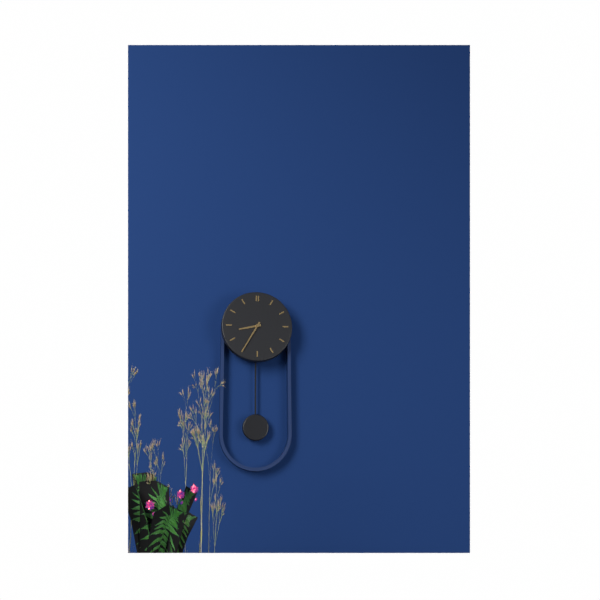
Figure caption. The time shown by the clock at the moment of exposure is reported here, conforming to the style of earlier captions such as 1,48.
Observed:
8,35
